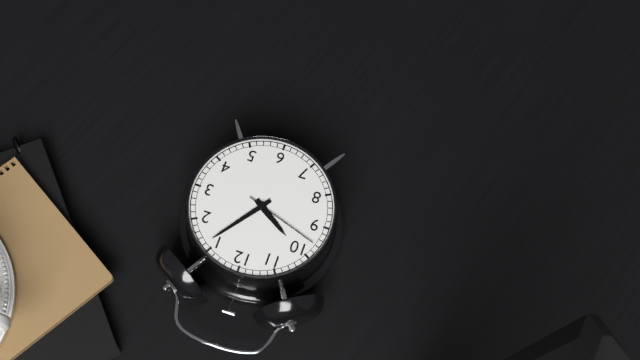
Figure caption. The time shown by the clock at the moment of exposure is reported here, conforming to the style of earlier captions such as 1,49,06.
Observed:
10,06,48
